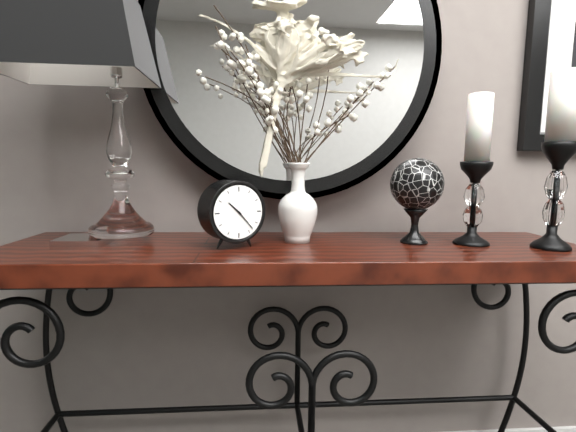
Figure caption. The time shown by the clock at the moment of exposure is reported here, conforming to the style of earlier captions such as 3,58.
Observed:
10,23
